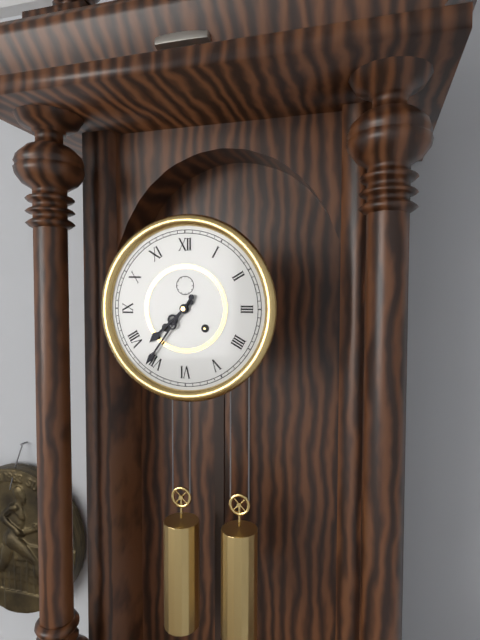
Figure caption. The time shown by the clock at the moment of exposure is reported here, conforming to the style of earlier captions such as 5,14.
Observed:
7,36
